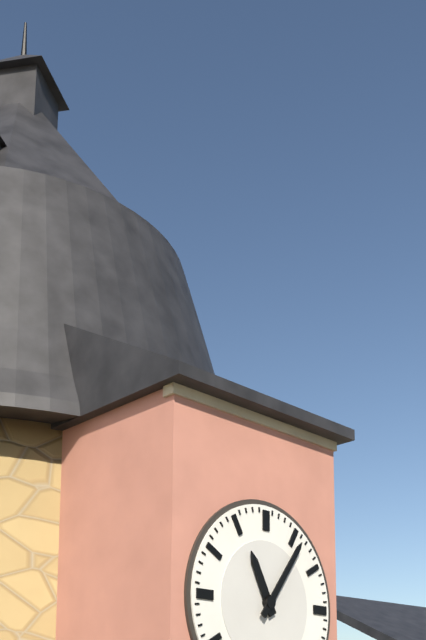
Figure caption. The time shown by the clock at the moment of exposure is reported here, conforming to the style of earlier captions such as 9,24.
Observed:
11,06
